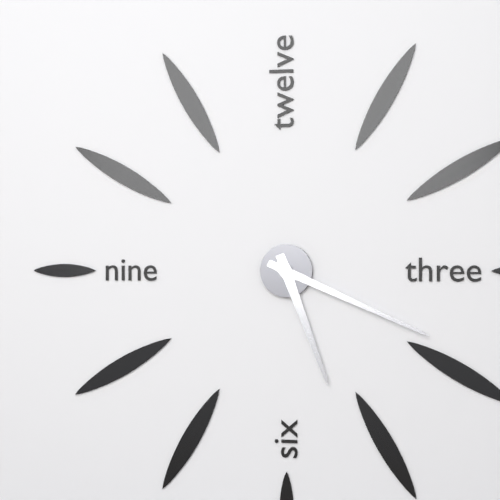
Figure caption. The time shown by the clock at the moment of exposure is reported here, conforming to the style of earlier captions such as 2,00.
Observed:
5,19
